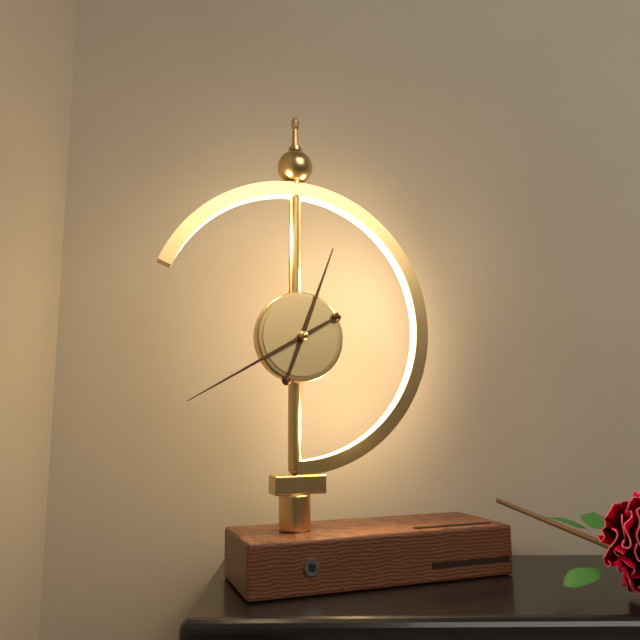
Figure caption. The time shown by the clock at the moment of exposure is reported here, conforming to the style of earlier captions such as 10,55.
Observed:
12,40
